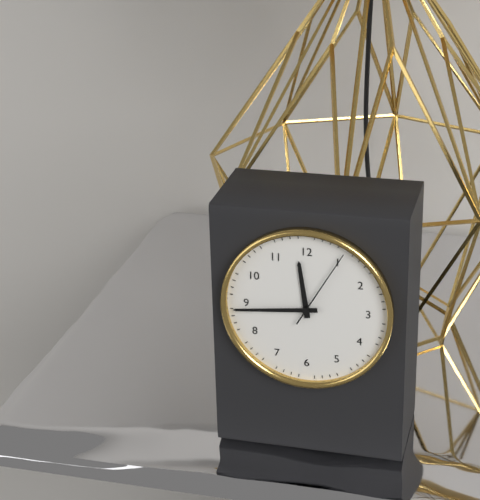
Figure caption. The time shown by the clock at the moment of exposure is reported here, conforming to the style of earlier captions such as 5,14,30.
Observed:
11,44,05
